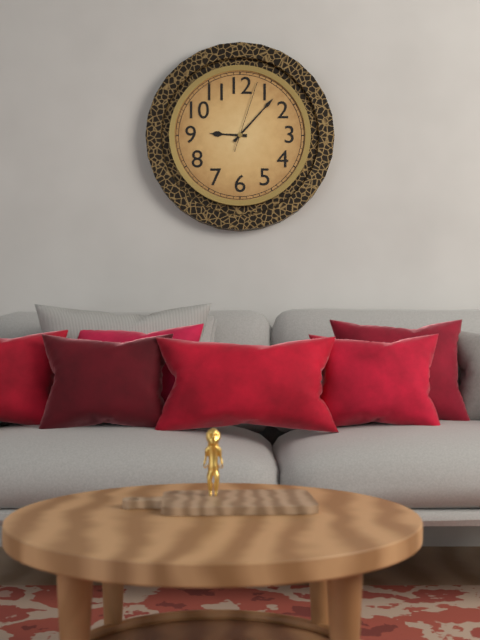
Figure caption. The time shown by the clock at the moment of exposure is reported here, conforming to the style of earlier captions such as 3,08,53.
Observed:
9,07,03
